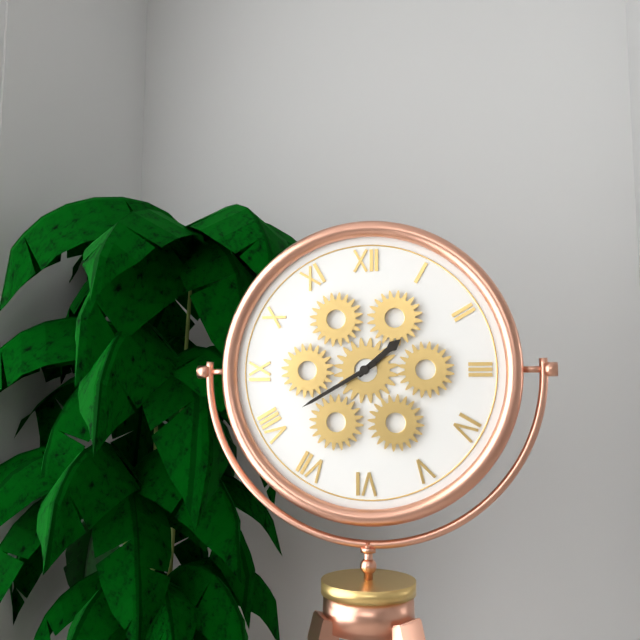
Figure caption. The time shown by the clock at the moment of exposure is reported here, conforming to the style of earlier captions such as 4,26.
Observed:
1,40
